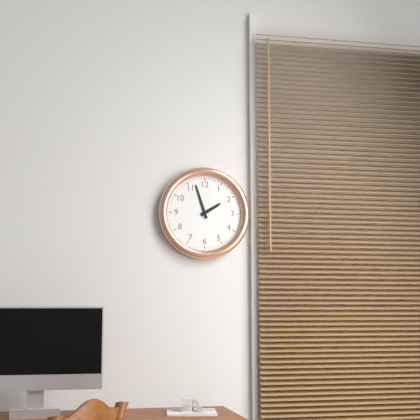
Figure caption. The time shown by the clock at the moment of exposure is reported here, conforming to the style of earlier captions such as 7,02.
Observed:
1,57
